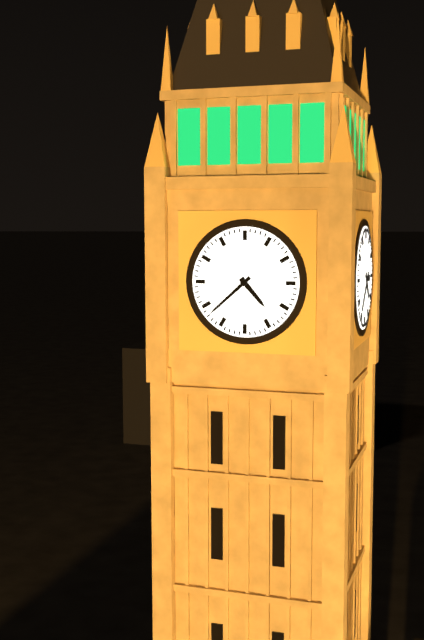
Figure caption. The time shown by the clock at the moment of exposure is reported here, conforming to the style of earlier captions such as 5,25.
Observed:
4,38
